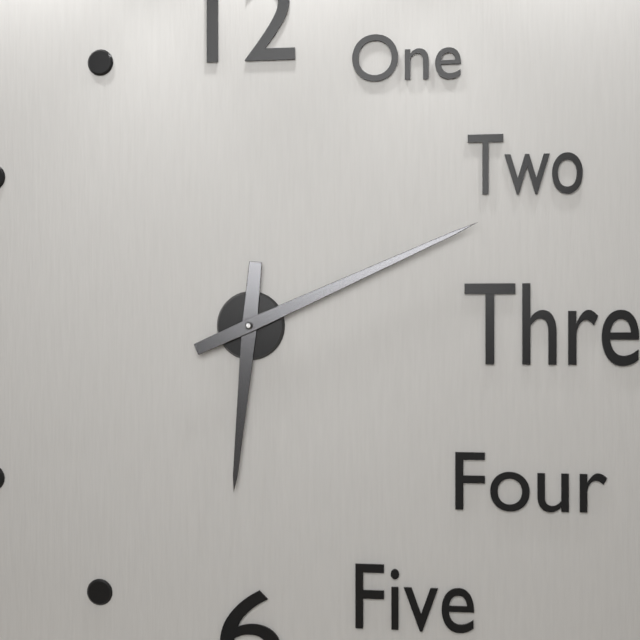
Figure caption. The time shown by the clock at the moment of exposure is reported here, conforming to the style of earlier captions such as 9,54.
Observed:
6,11
